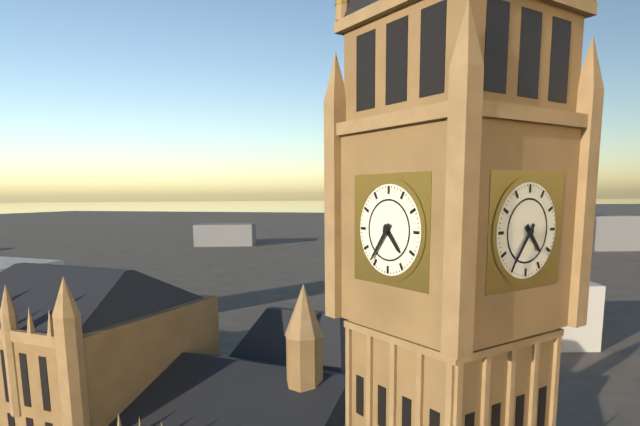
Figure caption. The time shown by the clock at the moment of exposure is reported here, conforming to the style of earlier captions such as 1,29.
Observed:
4,36
